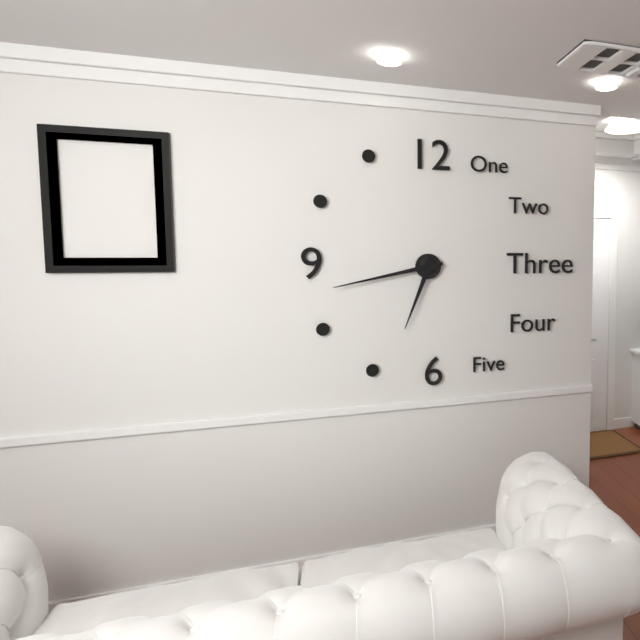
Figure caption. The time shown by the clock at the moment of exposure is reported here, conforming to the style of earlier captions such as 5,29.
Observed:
6,43
